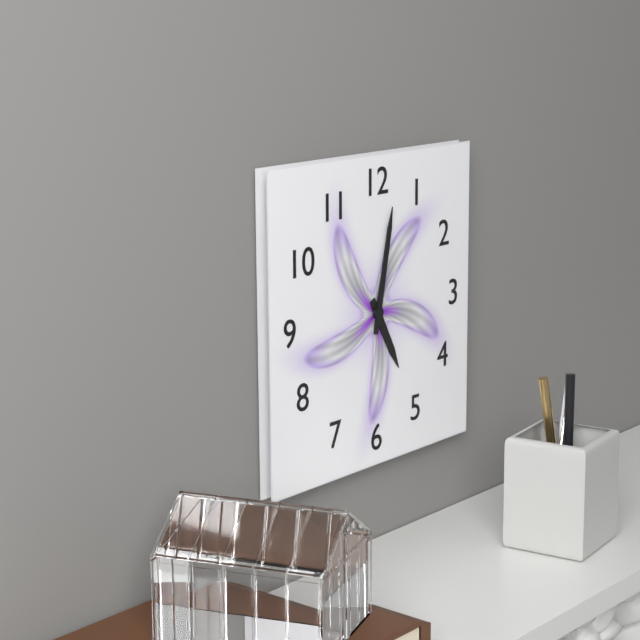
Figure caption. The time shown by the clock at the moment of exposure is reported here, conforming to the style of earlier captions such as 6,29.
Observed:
5,02
